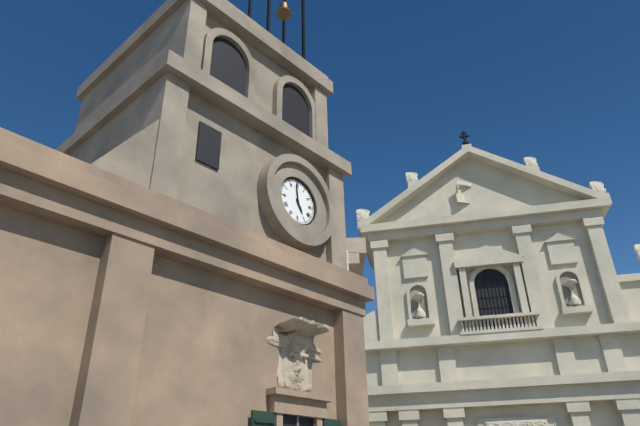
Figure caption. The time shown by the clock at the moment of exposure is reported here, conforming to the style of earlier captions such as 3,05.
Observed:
4,59
